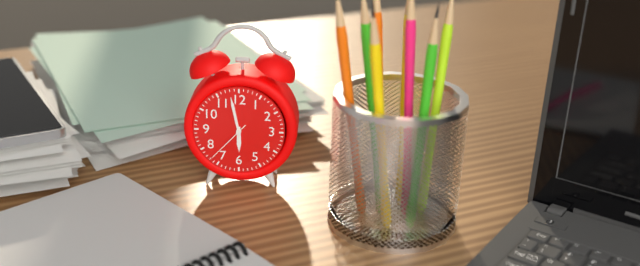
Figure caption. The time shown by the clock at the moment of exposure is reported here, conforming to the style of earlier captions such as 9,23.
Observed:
5,58
